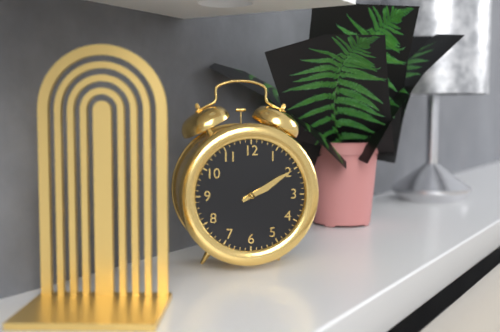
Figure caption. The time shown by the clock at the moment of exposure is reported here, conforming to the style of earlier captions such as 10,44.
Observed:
2,10
